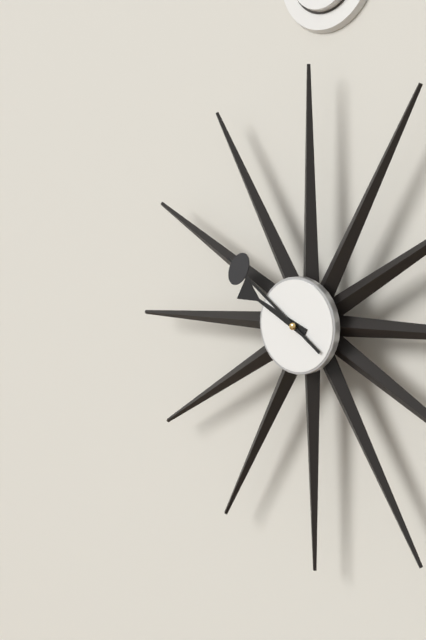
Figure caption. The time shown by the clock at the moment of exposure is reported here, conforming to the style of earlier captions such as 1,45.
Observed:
9,51
